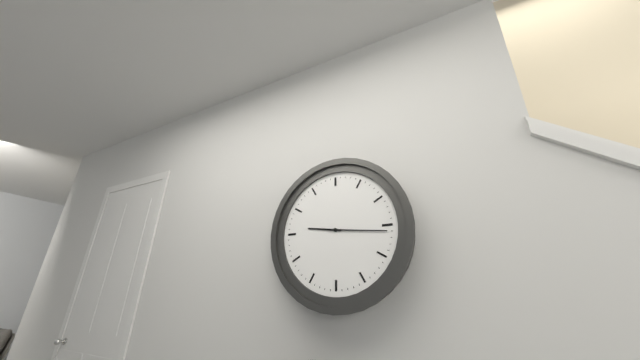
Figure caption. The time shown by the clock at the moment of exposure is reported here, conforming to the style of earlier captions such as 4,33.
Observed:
9,16
